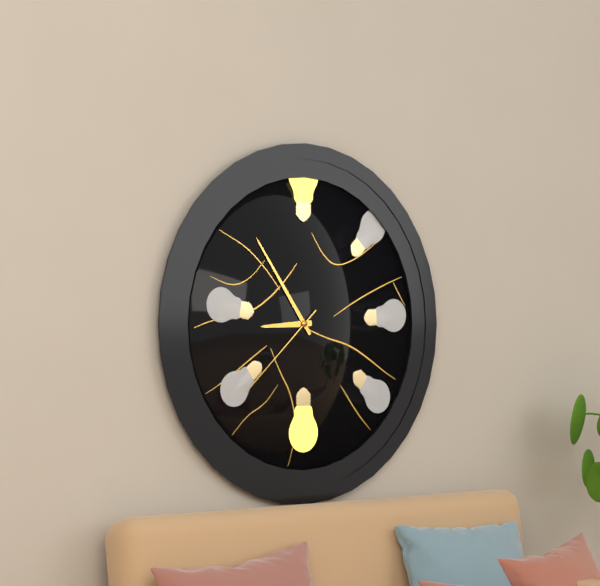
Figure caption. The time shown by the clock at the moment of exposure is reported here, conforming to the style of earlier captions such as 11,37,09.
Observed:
8,54,38
